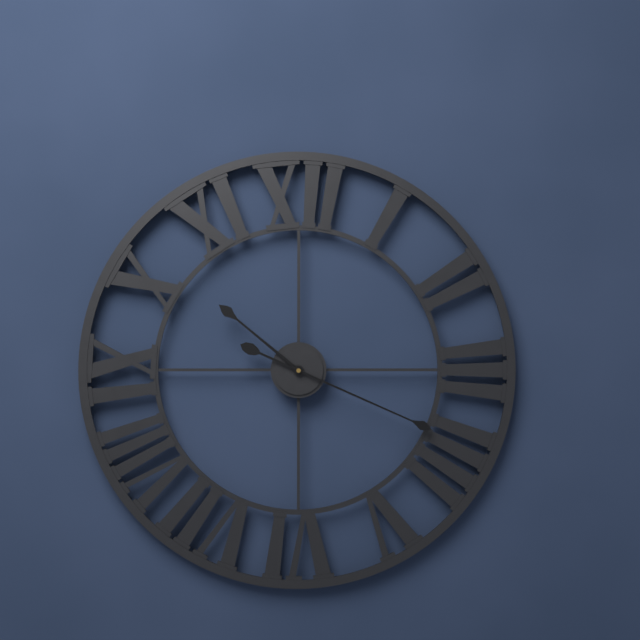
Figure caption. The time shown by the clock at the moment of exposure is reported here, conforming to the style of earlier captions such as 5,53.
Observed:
10,19
